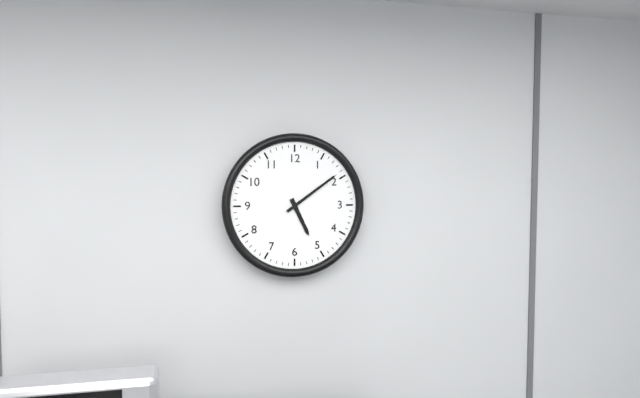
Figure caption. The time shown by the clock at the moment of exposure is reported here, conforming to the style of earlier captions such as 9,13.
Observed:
5,09
